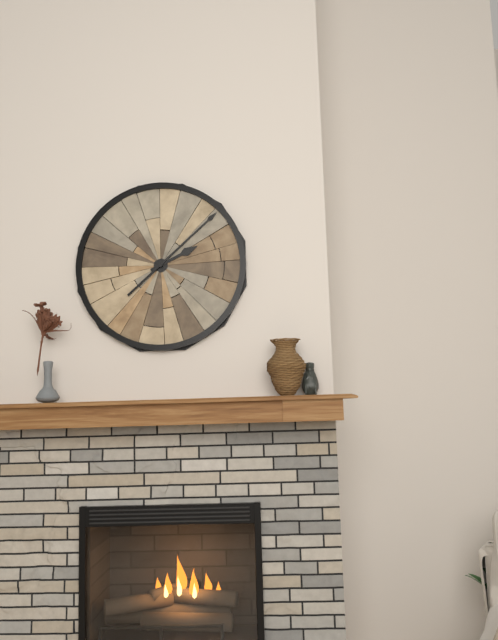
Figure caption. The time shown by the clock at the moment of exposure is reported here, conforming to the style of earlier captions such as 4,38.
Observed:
2,08
